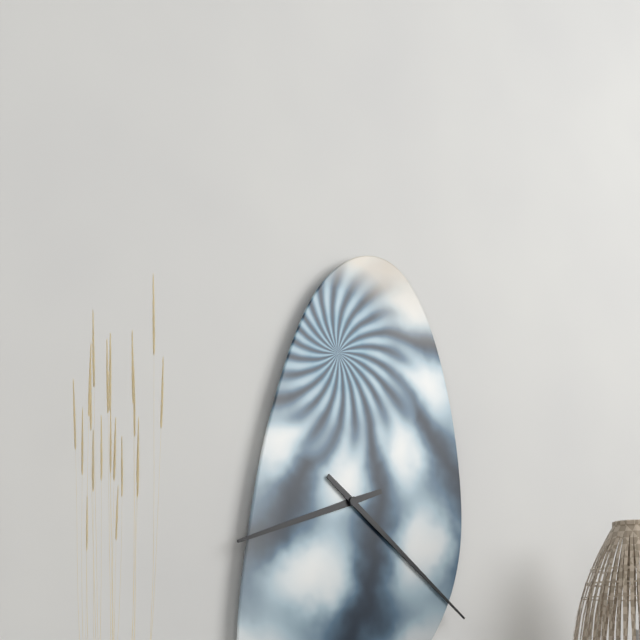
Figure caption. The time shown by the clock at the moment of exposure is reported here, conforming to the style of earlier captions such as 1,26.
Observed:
8,21
